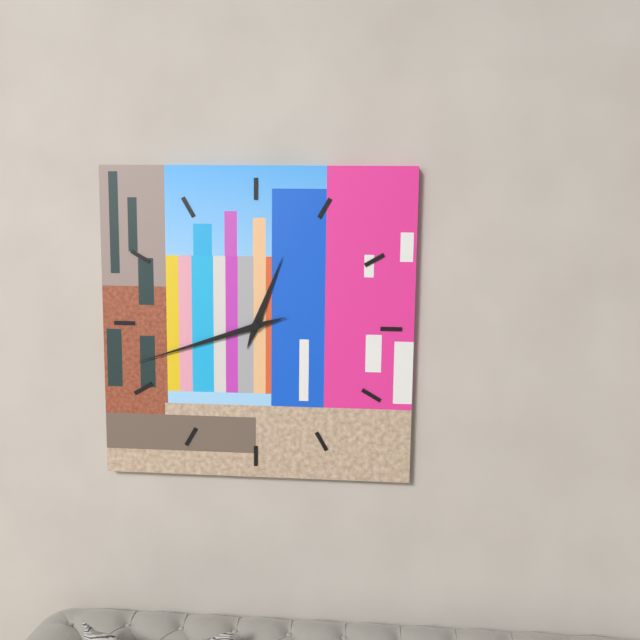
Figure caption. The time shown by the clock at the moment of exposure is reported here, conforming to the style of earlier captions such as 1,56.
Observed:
12,42
